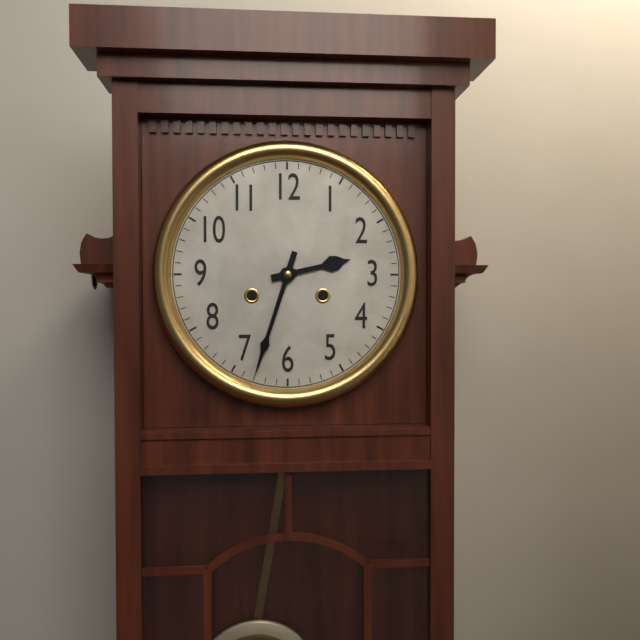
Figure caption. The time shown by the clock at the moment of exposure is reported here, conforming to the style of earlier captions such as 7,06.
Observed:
2,33
